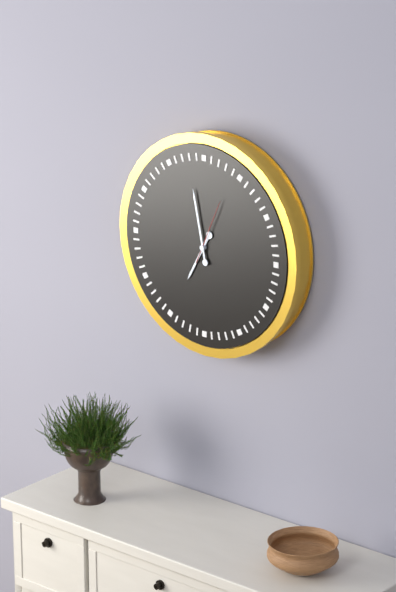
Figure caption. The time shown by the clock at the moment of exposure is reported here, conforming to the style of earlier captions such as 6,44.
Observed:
6,58
